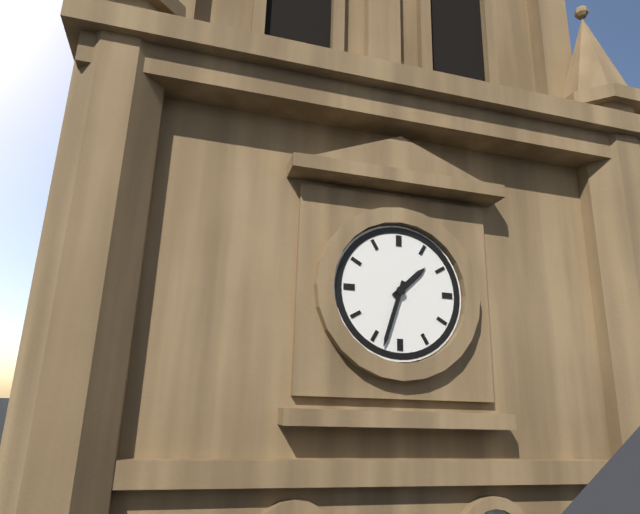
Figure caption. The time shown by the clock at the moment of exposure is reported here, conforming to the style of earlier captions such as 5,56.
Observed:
1,33
